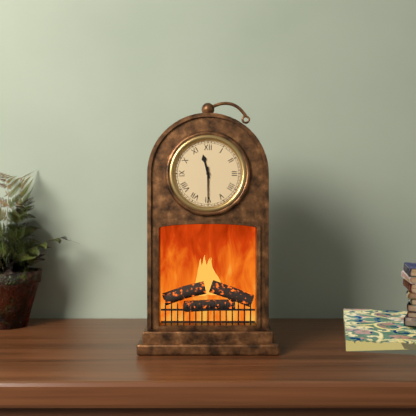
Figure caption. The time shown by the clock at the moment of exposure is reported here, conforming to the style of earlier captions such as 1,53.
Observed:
11,30
